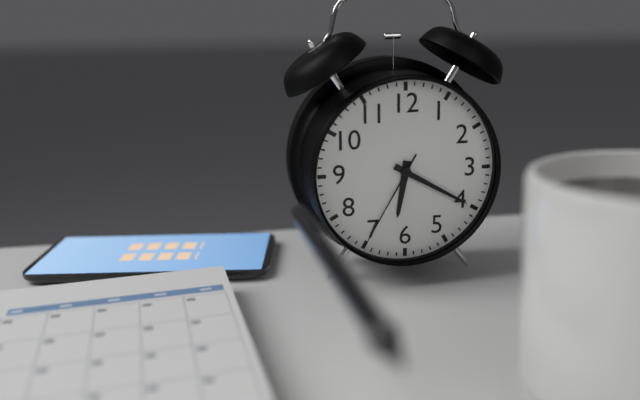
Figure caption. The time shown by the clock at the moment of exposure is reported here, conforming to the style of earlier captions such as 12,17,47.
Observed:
6,20,35
